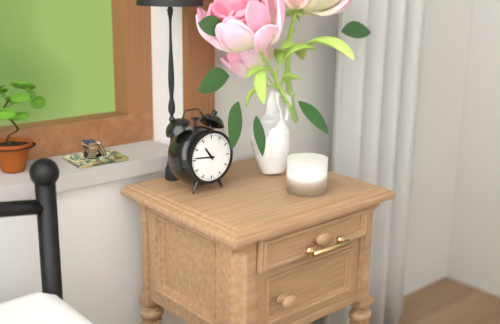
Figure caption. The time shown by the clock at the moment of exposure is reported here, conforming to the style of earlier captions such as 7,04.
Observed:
10,46
